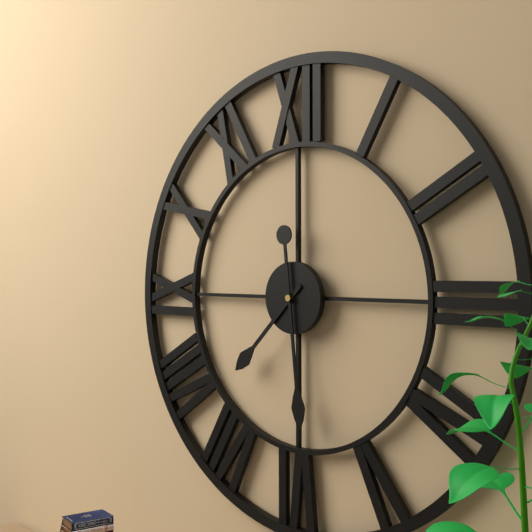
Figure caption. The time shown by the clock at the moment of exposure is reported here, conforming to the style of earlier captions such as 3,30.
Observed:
7,29
